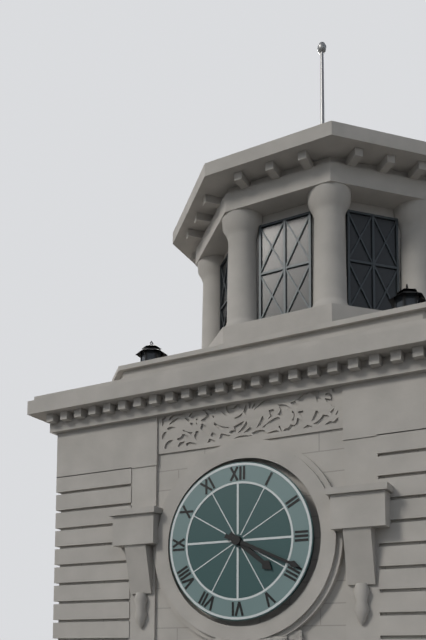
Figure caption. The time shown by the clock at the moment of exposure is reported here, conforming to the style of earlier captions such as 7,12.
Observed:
4,19
